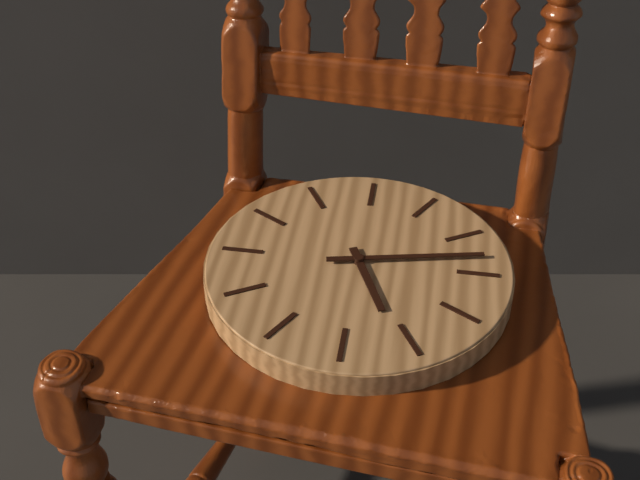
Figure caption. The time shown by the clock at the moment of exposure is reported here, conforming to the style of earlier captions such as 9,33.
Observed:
5,13
